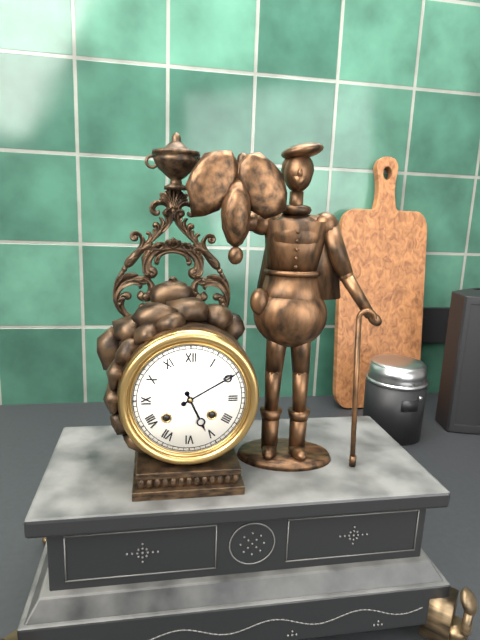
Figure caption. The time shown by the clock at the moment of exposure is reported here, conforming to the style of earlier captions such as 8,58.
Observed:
5,10
